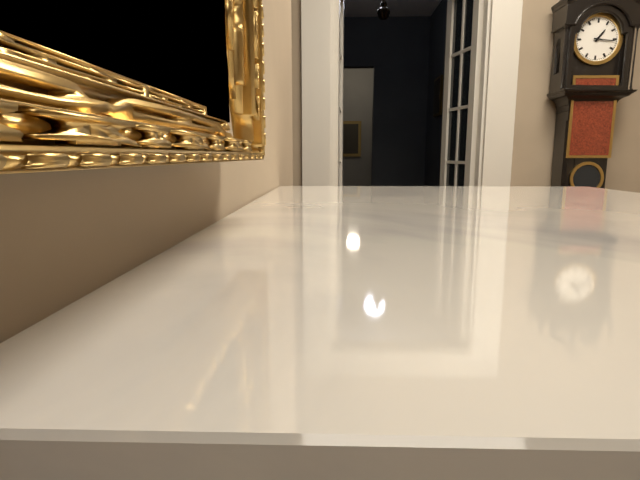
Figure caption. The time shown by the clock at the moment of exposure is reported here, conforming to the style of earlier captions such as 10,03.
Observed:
1,16
